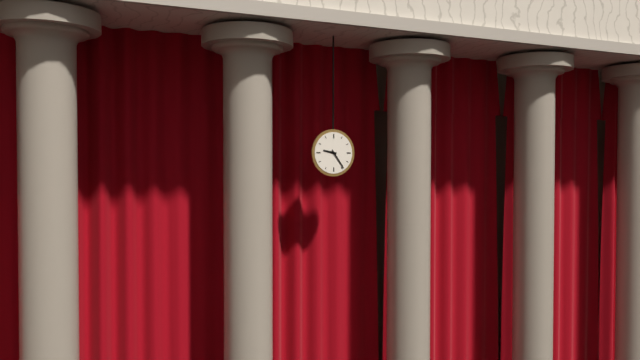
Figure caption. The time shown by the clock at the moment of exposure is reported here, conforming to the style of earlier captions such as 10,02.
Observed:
9,24
